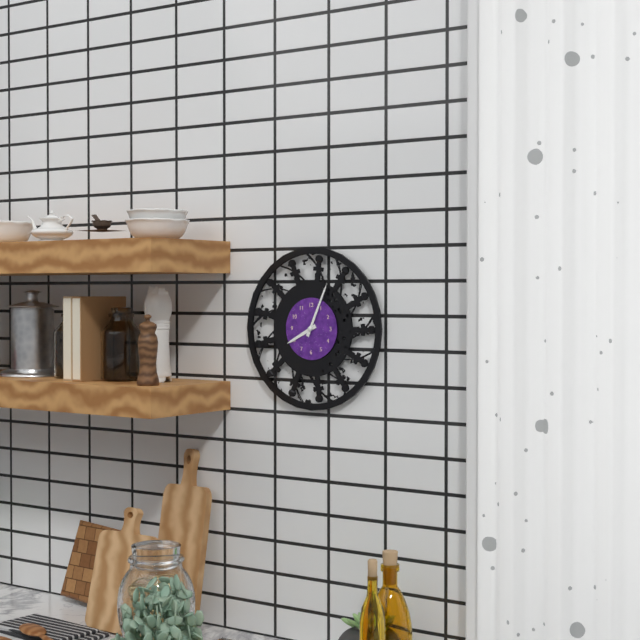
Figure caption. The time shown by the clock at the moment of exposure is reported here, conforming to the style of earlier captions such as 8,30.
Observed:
8,04
